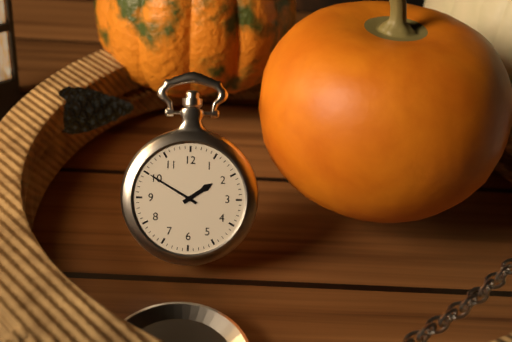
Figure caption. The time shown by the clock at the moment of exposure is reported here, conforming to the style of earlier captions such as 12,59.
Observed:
1,50
